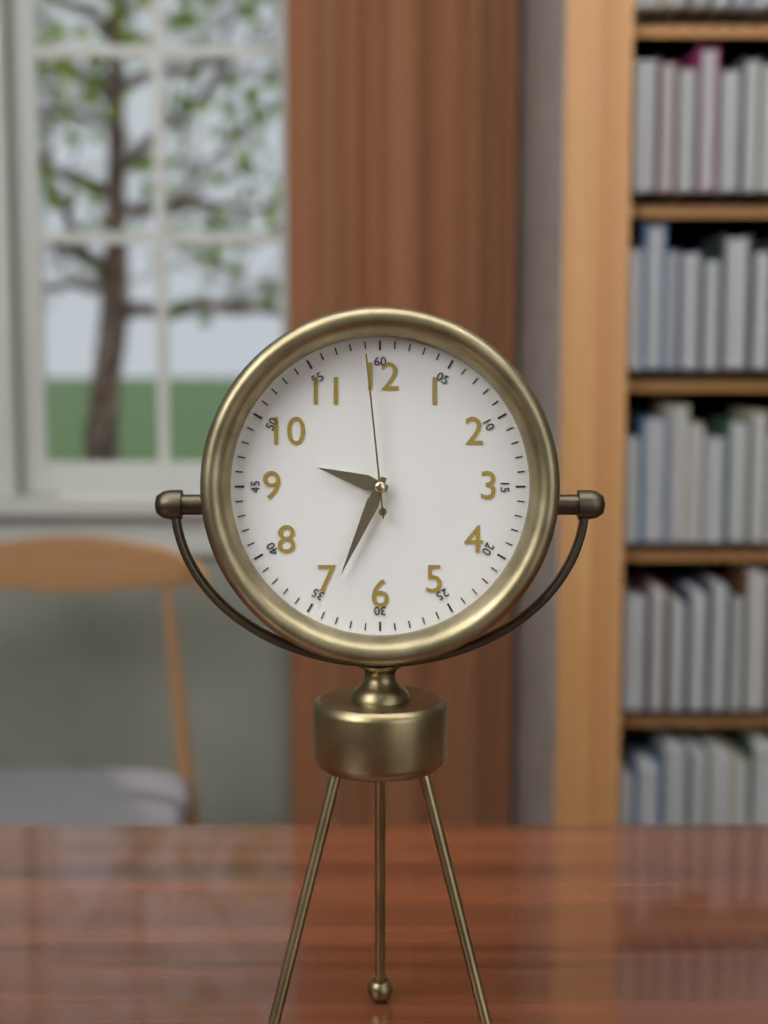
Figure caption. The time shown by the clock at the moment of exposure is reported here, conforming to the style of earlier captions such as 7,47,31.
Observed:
9,34,59
